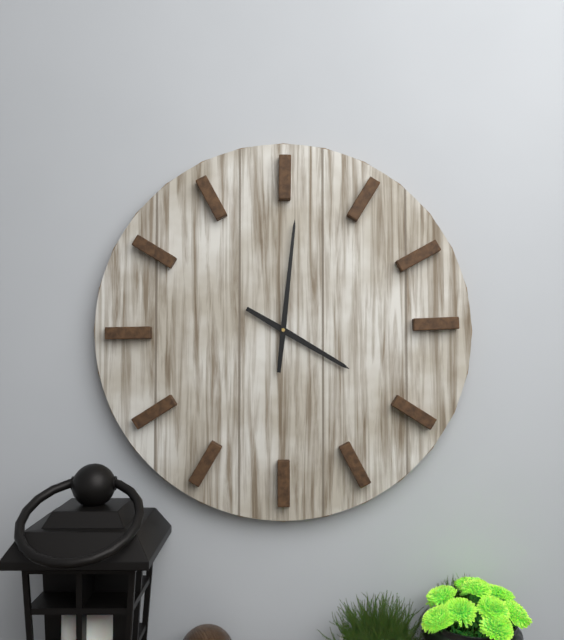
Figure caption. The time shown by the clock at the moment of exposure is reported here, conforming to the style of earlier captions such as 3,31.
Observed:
4,01
